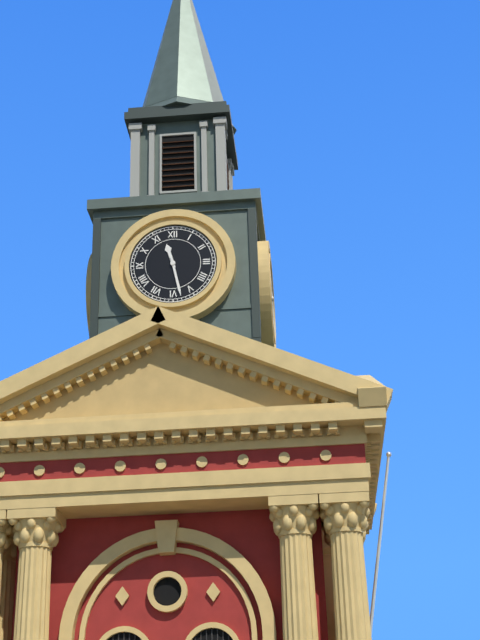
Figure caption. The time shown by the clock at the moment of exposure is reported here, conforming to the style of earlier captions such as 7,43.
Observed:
11,28
